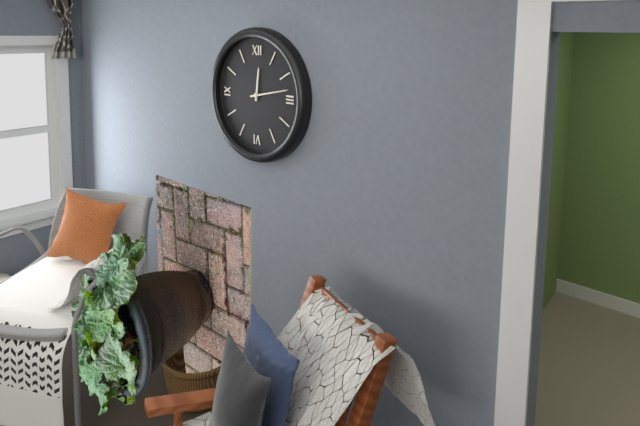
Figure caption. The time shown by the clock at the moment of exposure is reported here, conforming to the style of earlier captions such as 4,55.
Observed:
12,13
